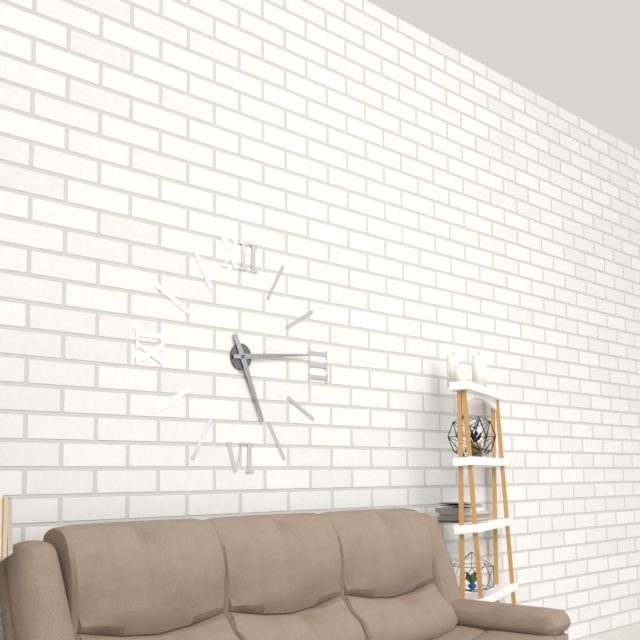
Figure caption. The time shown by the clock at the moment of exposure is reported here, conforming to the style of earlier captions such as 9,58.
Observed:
5,14
